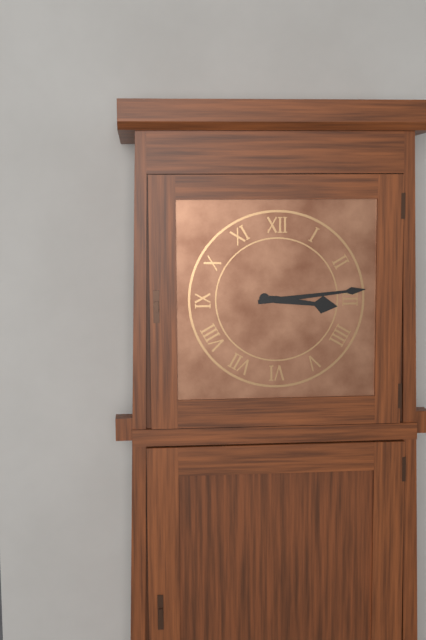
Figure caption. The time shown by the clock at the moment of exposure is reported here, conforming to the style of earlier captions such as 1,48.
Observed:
3,14
